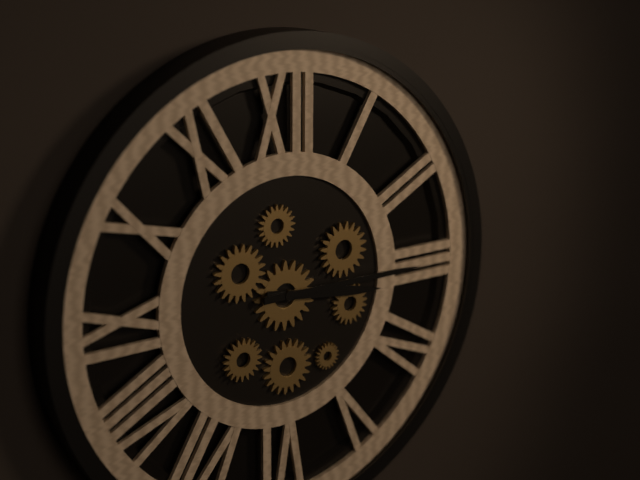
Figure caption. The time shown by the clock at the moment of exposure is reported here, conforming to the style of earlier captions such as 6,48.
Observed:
3,15
